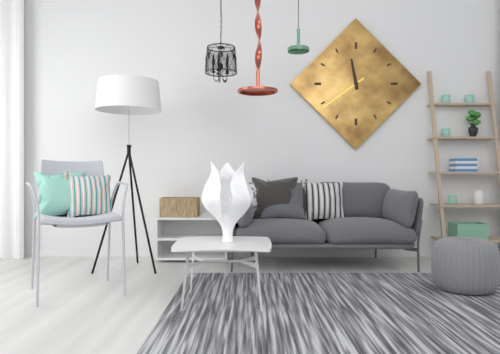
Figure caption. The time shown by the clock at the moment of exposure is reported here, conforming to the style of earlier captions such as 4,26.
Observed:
11,39
